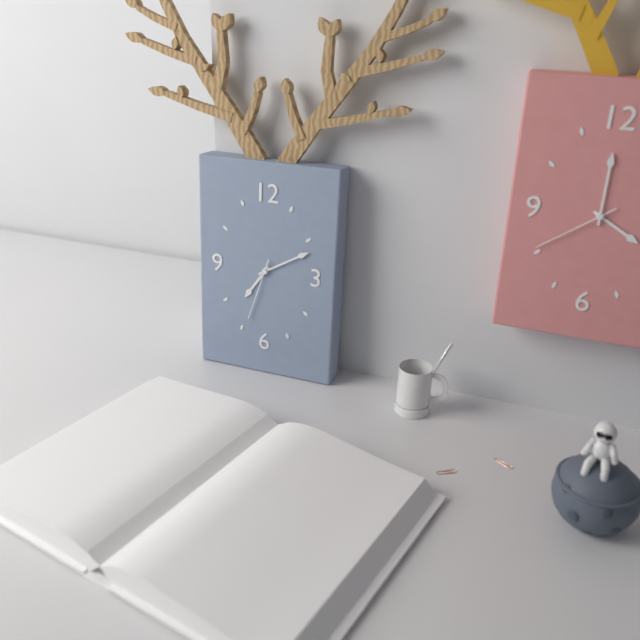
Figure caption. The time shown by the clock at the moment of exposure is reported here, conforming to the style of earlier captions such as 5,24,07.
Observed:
7,10,33
